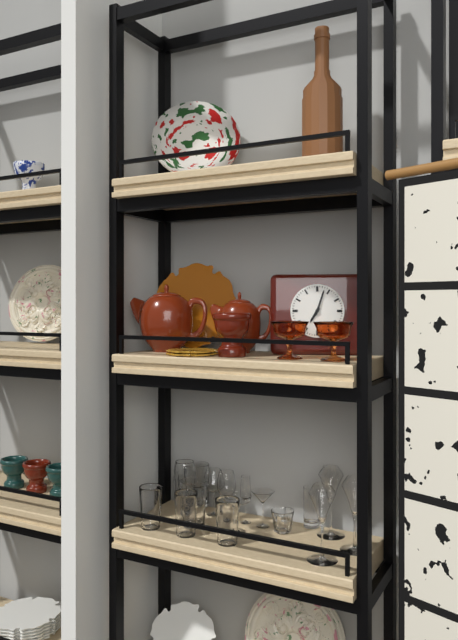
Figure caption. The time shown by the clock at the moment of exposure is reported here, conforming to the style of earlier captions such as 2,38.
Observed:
7,03
